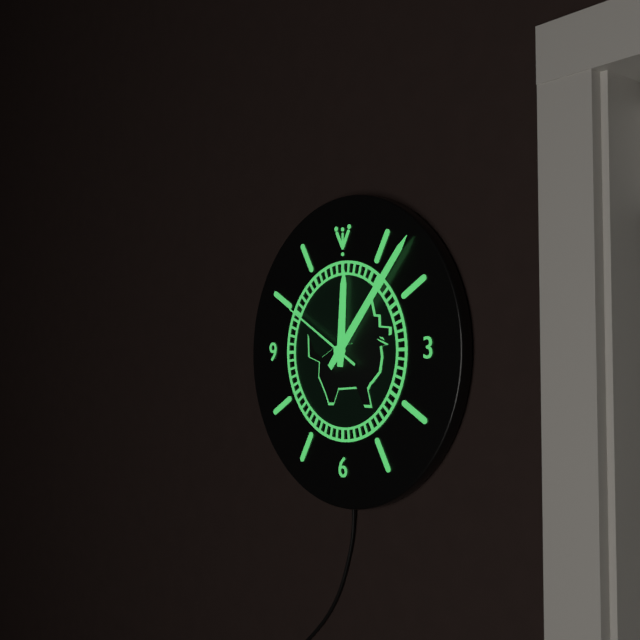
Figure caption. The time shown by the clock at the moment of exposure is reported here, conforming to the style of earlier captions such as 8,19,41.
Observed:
12,07,50
